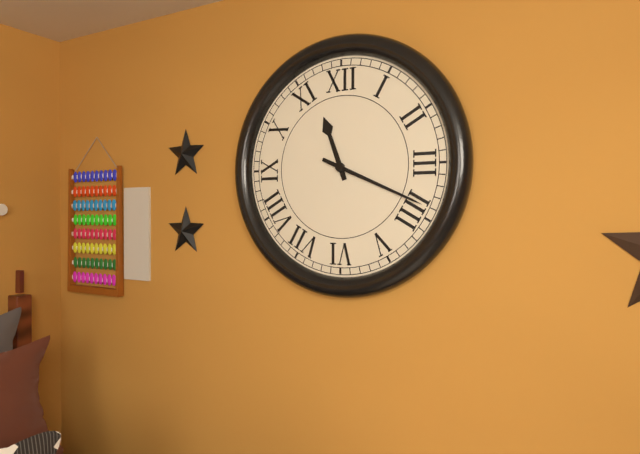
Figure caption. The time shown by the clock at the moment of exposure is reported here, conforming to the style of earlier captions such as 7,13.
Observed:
11,19
